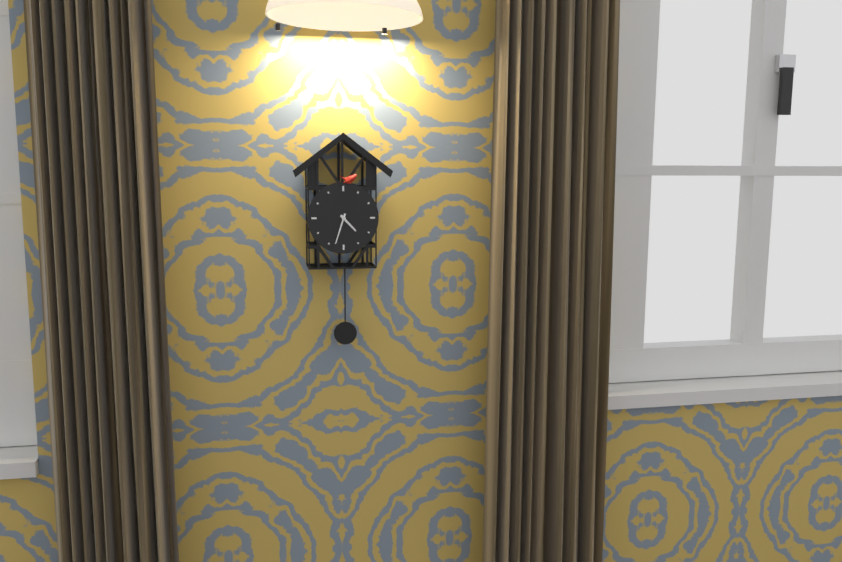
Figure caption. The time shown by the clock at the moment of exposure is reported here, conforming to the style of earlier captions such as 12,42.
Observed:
4,33
